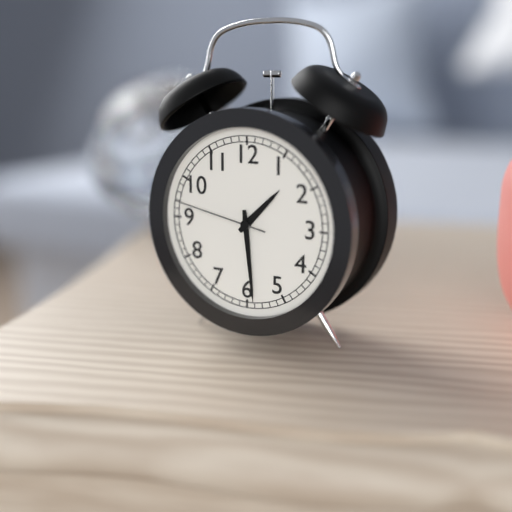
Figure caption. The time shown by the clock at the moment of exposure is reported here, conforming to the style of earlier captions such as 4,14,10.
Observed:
1,29,47
